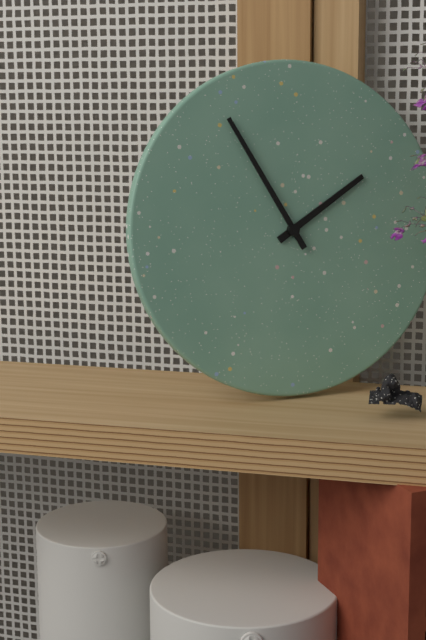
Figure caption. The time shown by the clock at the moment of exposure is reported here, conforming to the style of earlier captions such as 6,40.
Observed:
1,55
